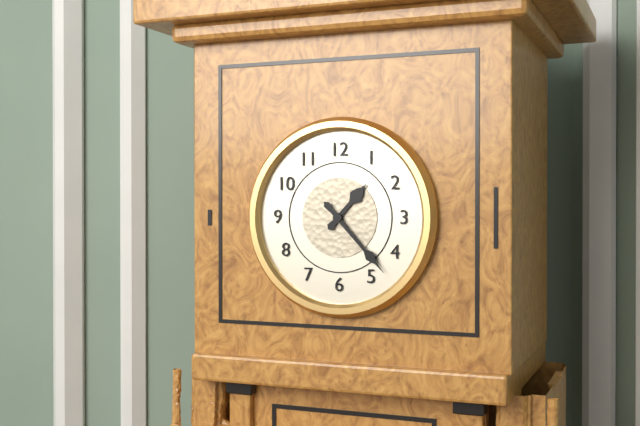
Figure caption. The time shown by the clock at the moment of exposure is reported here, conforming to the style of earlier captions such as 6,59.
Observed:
1,23
